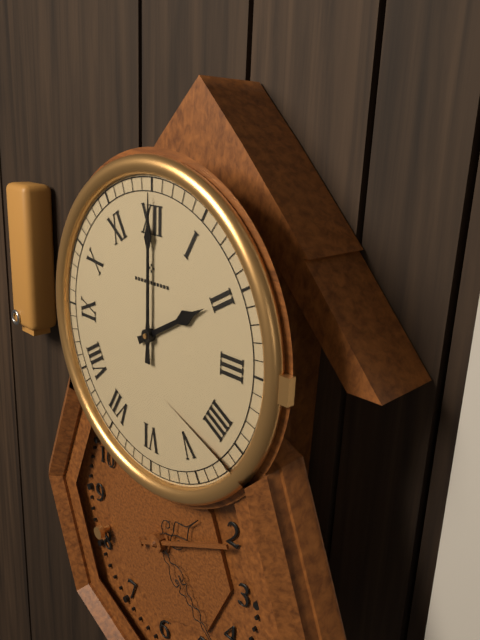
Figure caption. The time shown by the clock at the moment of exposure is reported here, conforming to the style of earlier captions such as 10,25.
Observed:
2,00
